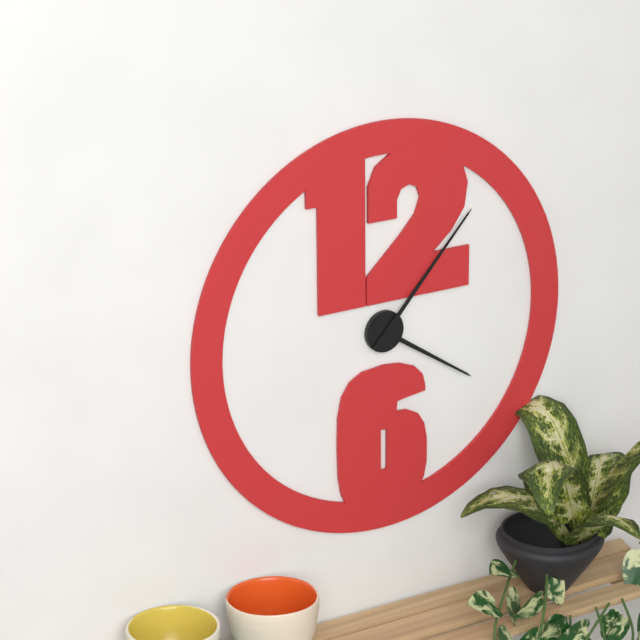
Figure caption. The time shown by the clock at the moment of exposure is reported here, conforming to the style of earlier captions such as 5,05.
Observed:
4,07
